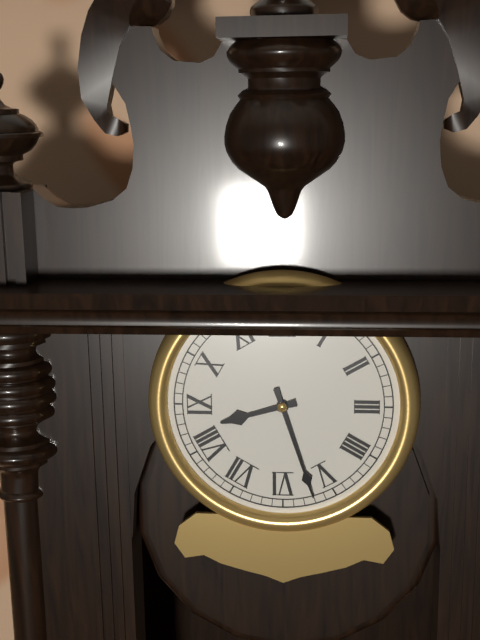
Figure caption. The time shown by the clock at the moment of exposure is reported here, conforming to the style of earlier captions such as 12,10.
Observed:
8,27
